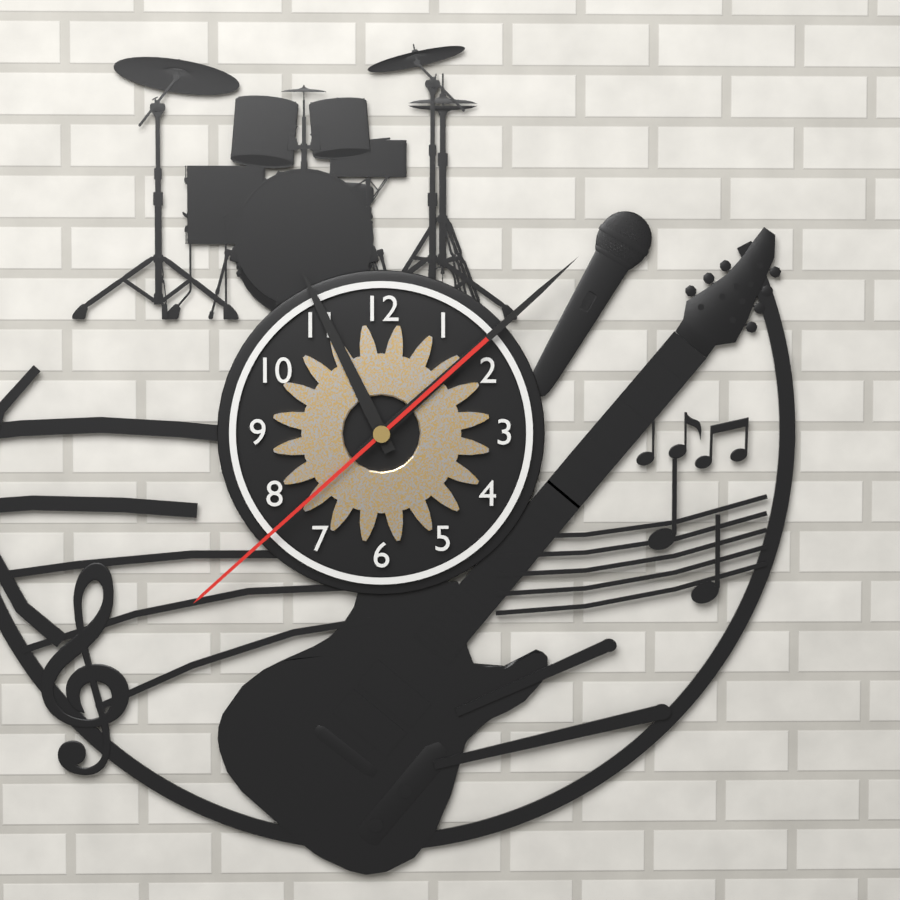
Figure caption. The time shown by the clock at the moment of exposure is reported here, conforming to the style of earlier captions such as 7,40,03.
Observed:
11,08,38
